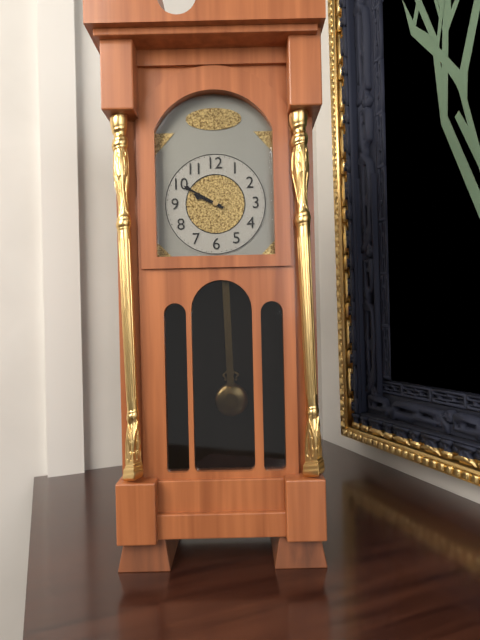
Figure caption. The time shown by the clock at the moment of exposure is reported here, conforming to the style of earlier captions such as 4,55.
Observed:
9,50
